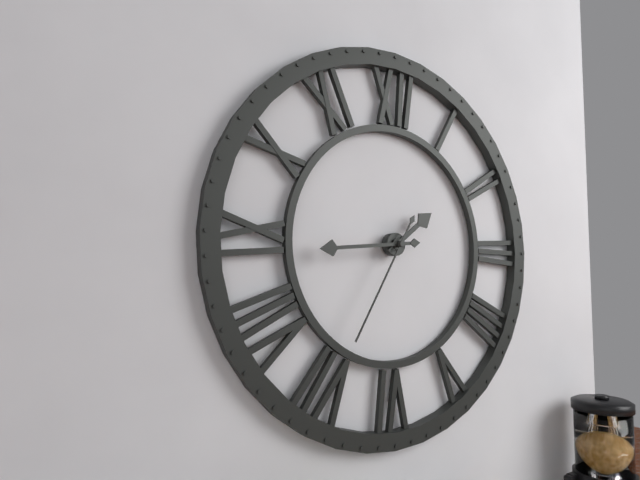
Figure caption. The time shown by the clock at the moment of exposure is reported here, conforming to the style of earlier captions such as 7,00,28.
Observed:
1,44,35
